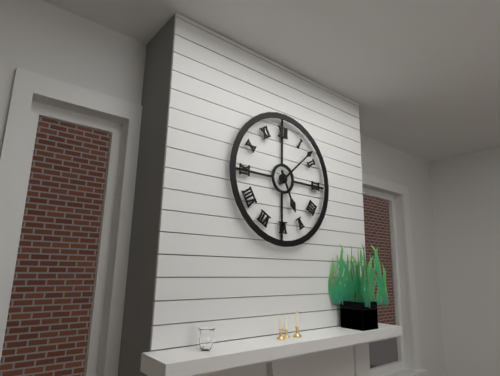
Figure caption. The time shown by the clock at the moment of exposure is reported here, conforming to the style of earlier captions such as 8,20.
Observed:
5,08
